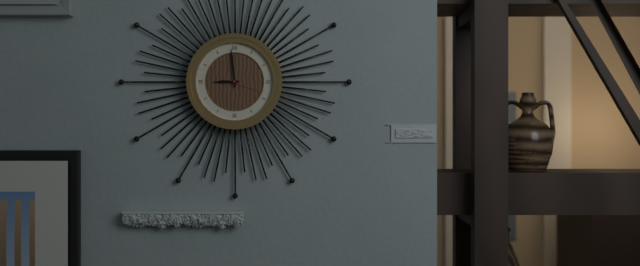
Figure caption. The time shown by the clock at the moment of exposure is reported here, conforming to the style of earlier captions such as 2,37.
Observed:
8,59
